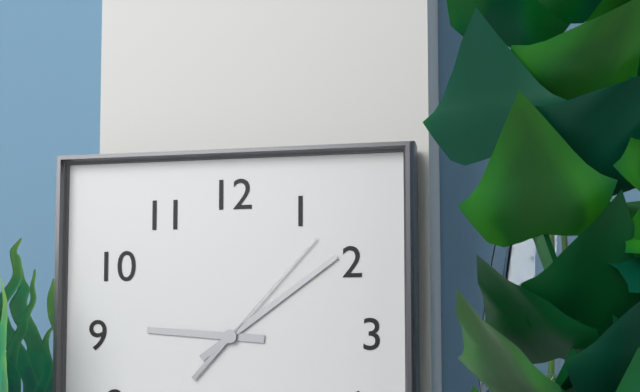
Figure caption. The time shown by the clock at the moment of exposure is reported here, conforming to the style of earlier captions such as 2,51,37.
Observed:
9,09,07
